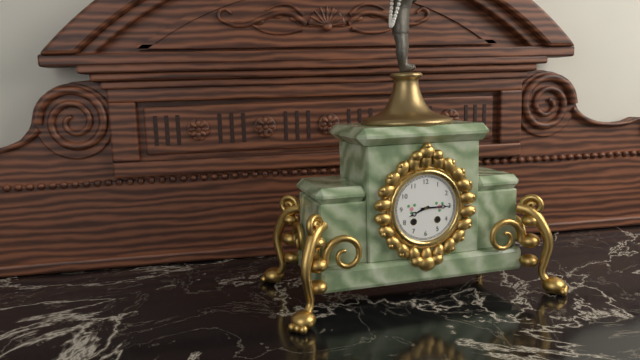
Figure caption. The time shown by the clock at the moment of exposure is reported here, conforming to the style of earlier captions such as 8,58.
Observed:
8,15
